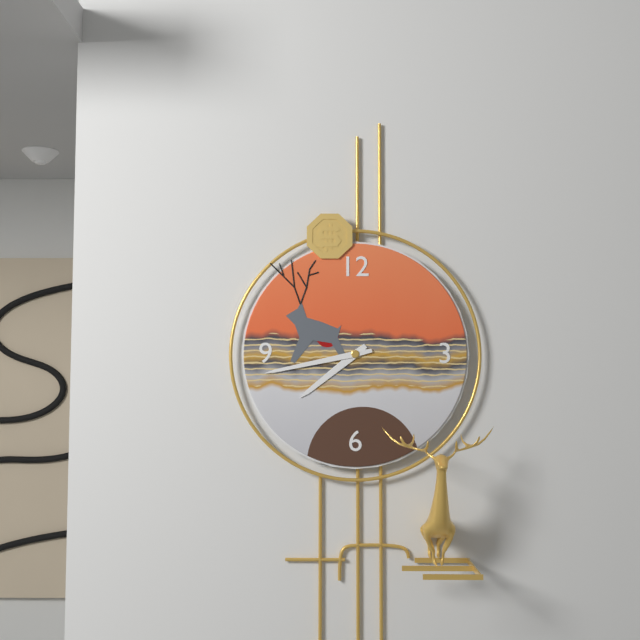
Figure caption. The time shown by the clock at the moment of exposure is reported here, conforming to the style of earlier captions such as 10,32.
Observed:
7,43
